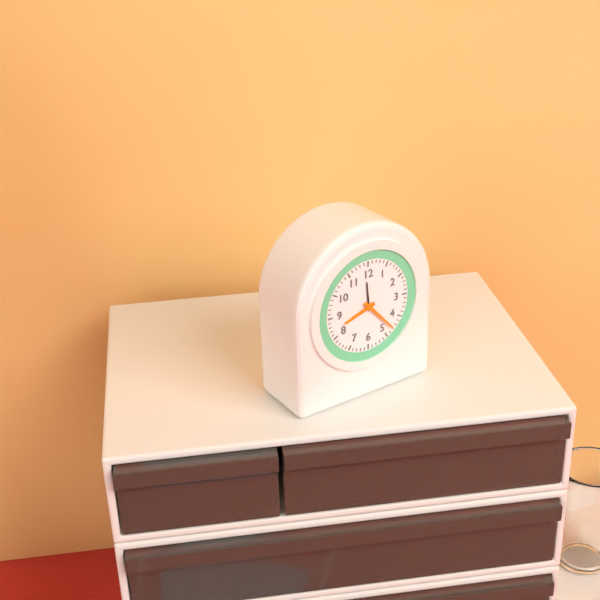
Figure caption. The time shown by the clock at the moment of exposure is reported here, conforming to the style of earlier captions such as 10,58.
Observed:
8,23
